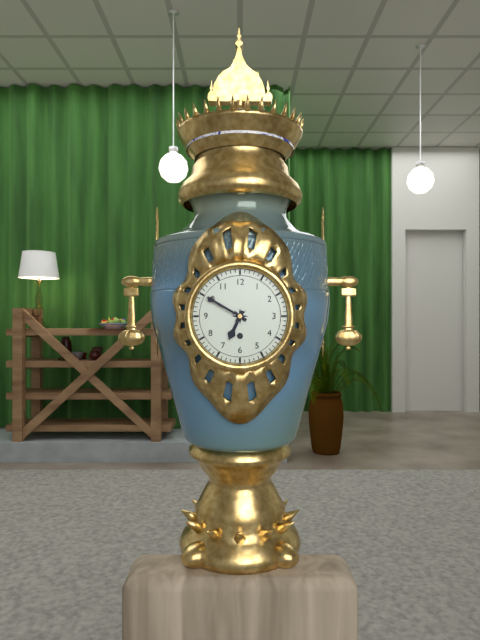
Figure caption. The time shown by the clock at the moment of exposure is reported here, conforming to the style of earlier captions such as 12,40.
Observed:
6,50
